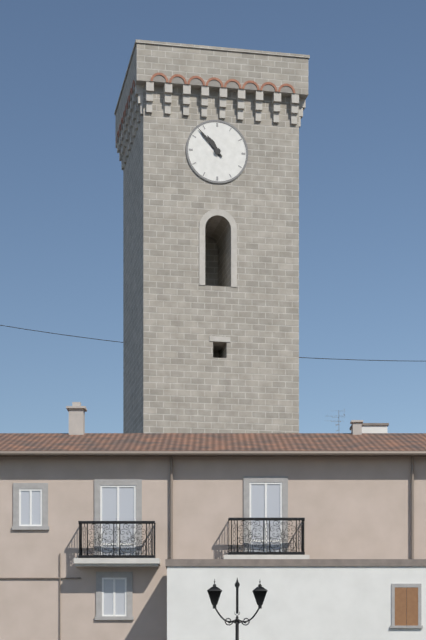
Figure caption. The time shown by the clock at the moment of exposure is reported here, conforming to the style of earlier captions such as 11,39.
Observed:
10,53
